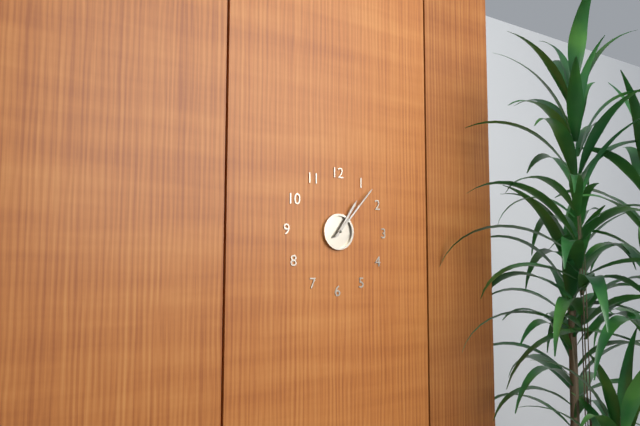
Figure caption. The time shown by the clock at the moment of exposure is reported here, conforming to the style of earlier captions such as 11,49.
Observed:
1,07
